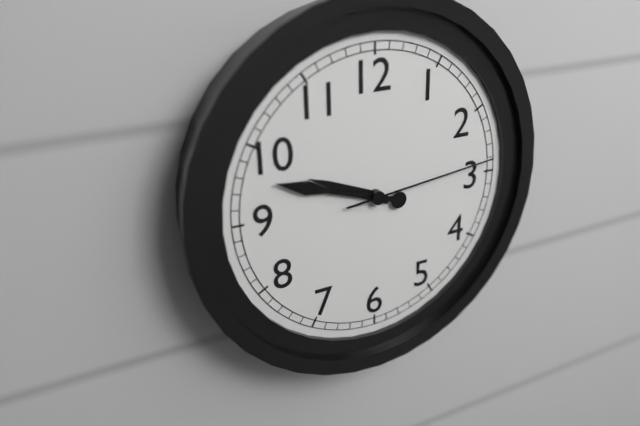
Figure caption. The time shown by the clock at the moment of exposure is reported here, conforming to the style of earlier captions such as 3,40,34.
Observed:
9,48,14
